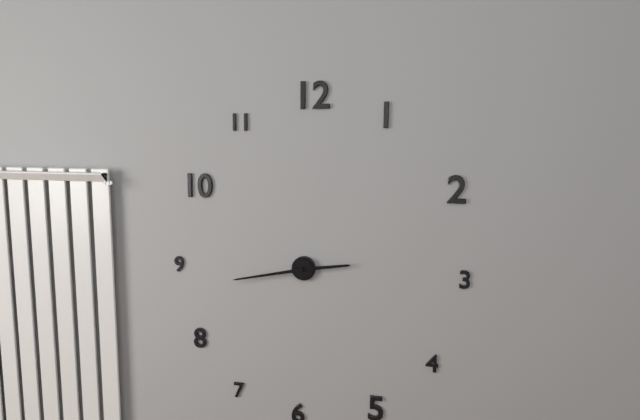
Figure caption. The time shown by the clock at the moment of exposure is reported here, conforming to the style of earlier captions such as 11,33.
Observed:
2,43
